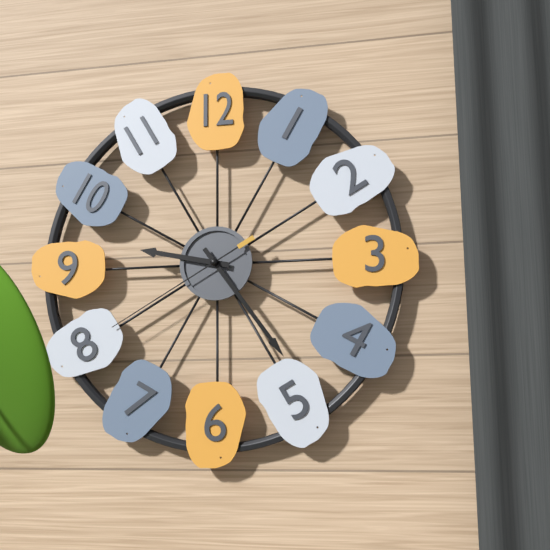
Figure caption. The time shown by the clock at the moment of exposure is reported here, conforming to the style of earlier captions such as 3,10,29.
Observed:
9,24,40
